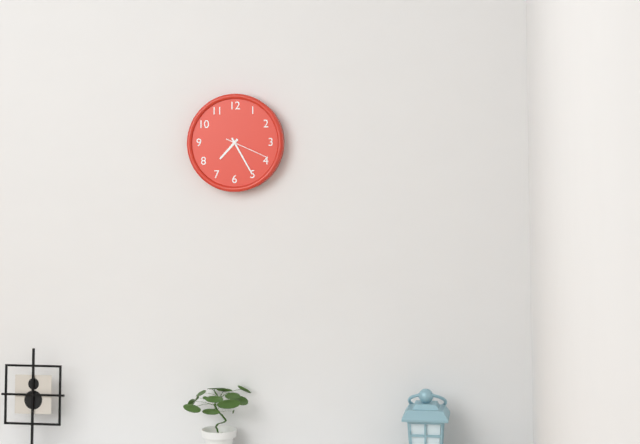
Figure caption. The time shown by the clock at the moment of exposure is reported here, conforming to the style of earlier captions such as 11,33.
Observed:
7,25
